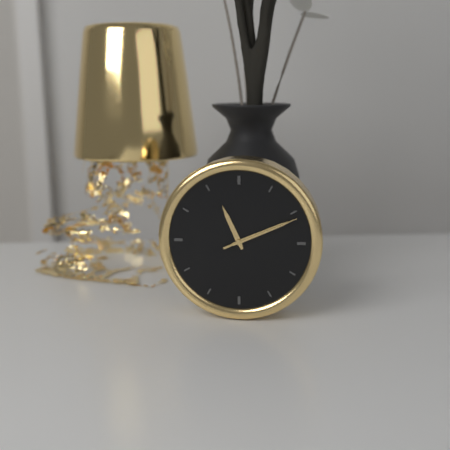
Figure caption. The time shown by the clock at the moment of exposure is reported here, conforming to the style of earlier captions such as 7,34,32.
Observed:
11,11,11
